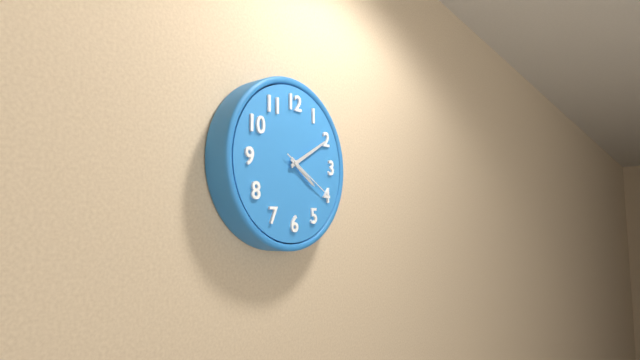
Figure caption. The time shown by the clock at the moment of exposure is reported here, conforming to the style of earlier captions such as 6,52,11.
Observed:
4,10,20
